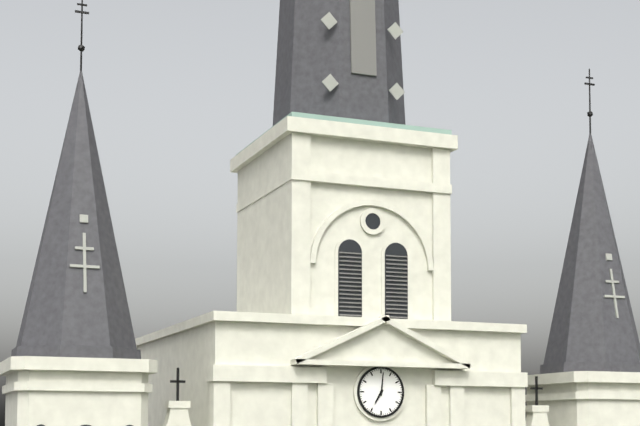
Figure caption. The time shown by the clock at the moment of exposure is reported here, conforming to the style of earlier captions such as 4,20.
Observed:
7,01
